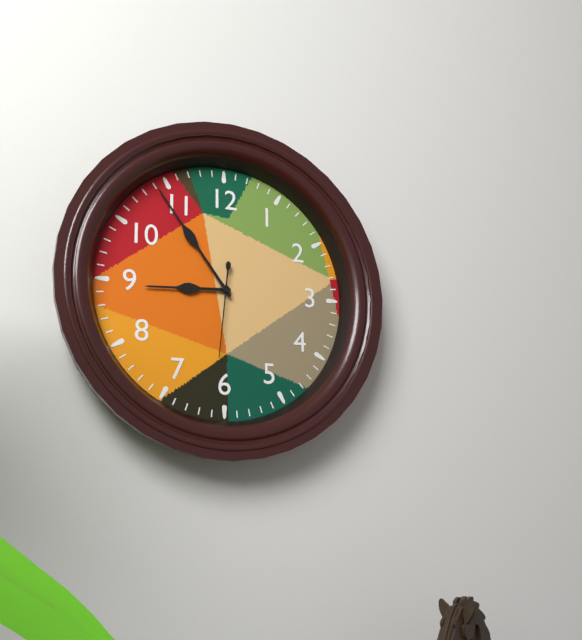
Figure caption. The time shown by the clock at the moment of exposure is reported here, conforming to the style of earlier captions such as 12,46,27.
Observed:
8,54,31
